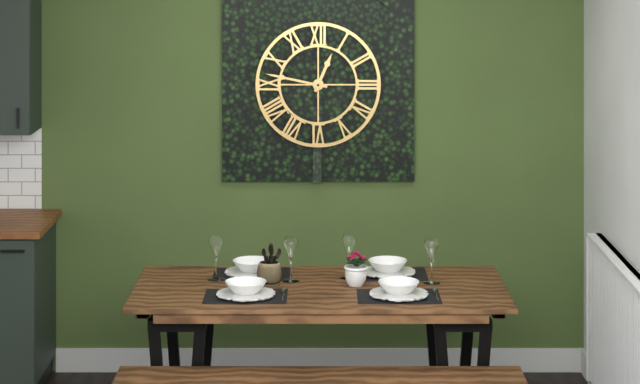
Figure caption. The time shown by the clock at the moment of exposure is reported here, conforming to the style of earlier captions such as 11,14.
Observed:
12,47
